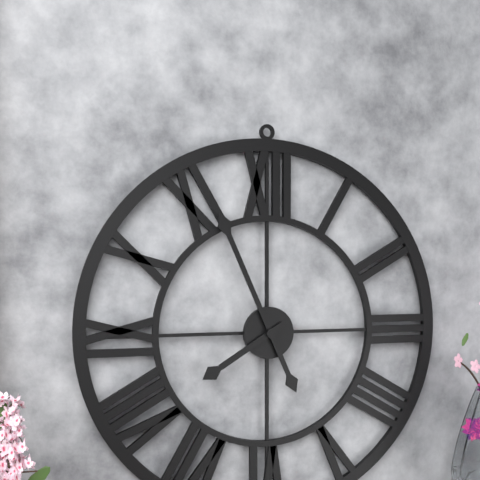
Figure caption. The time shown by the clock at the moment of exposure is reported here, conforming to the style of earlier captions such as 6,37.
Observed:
7,56
